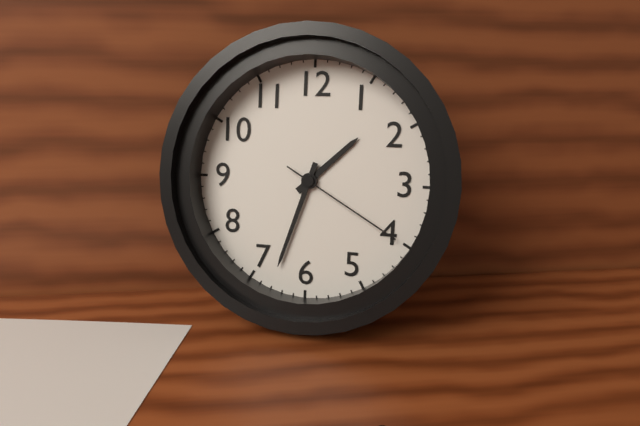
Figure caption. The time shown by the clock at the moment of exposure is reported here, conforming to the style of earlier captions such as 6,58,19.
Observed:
1,33,20
